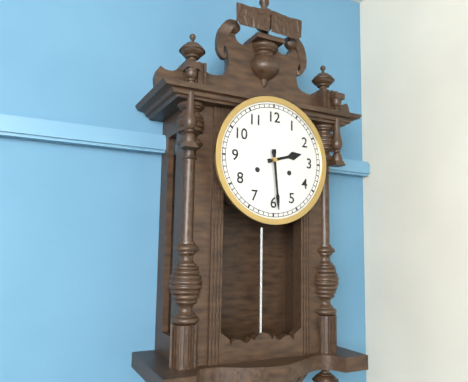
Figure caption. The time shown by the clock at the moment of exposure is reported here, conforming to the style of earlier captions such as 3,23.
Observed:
2,29
